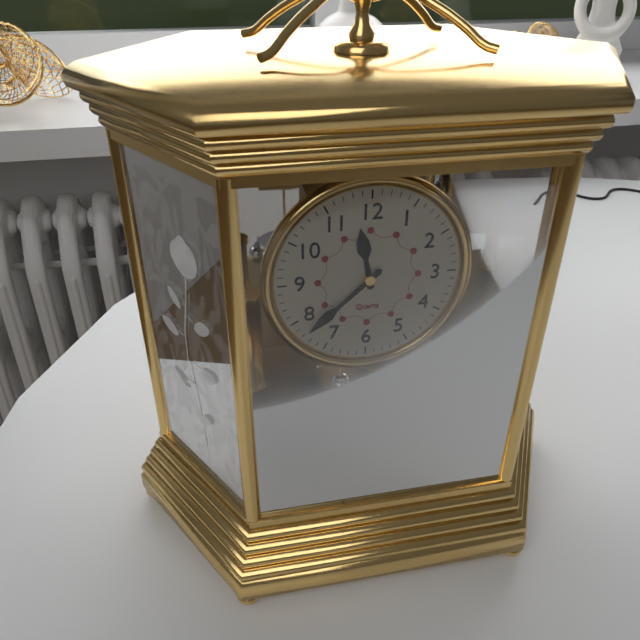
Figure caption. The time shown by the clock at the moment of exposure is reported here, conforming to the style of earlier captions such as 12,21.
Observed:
11,38
